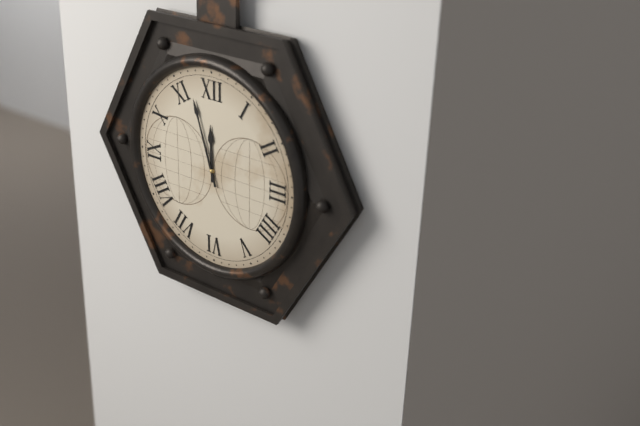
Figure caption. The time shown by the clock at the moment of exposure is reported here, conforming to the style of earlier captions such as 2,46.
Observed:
11,57
